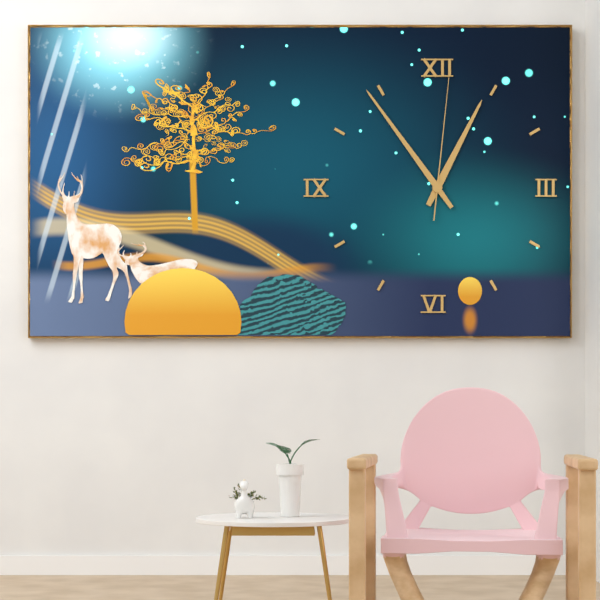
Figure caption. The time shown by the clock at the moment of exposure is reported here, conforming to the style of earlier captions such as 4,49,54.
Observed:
12,54,01
